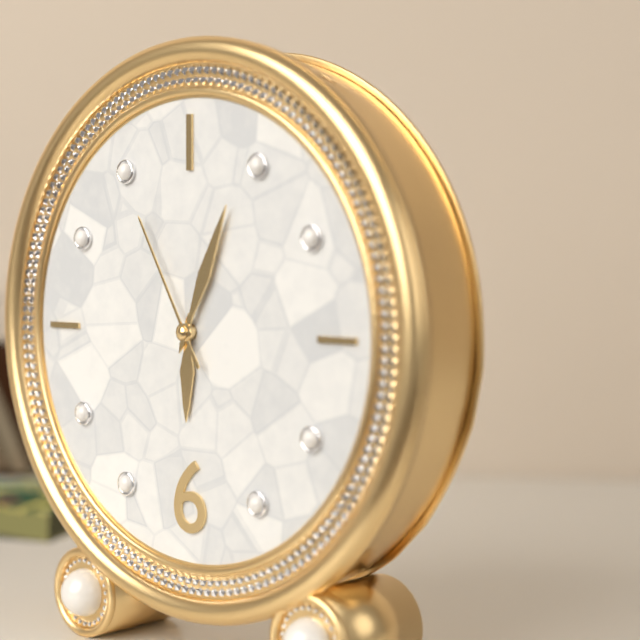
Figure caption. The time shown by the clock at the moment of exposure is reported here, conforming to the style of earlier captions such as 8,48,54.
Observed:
6,04,55
